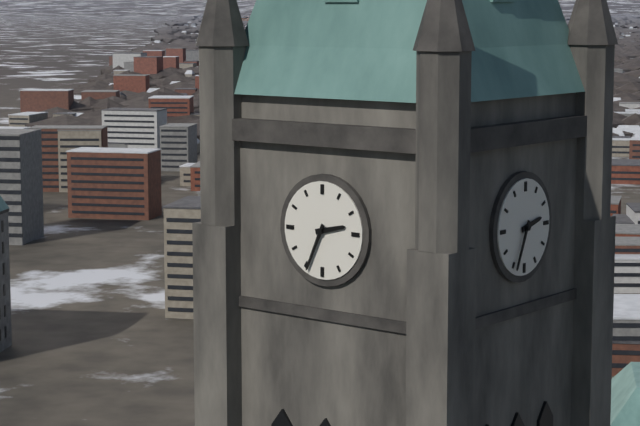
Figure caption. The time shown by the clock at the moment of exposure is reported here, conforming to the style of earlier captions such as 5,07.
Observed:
2,34
